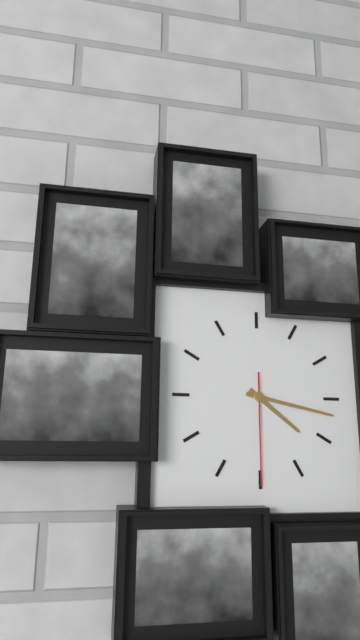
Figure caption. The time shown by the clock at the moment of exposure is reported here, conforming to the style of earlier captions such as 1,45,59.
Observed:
4,17,30
